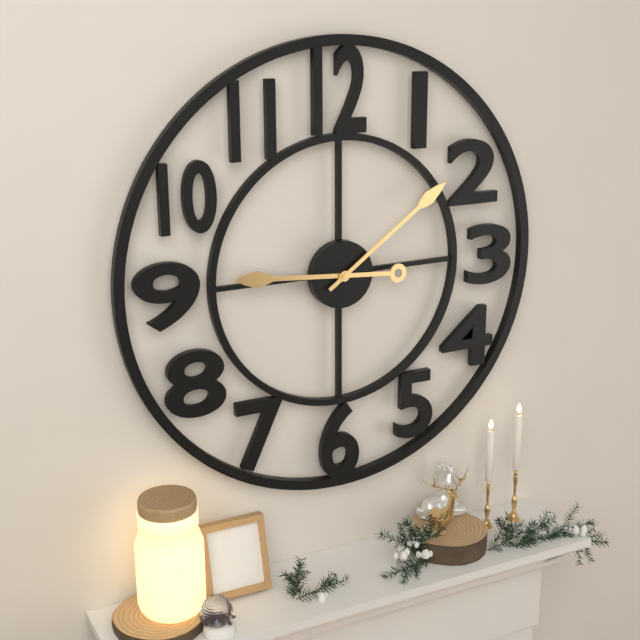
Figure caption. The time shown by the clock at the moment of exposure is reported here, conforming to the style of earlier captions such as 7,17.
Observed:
9,09
